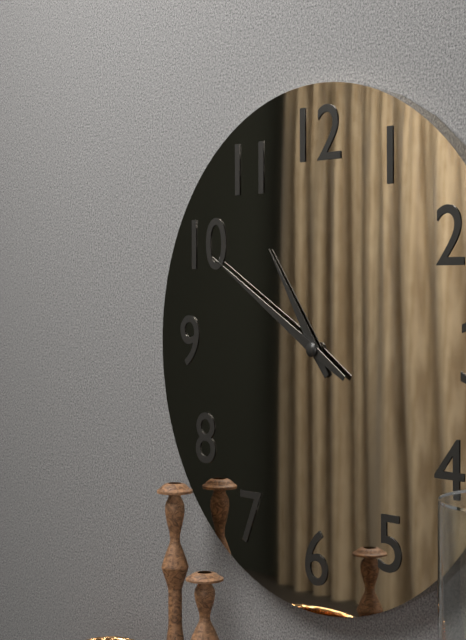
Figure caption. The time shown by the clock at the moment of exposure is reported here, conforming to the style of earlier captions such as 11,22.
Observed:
10,50
